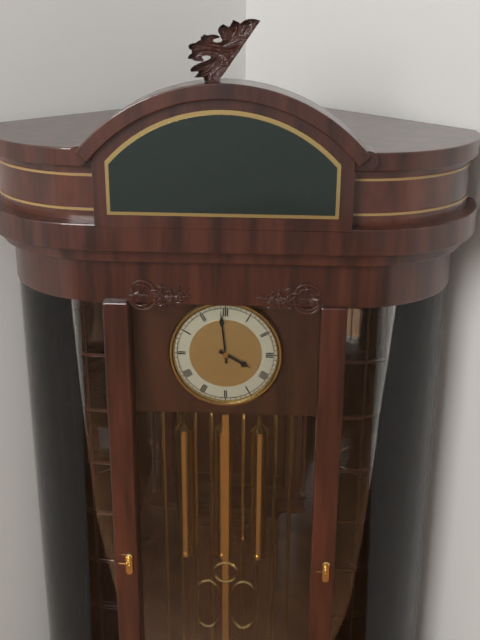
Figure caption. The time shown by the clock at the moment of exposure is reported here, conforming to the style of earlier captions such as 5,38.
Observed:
3,59
